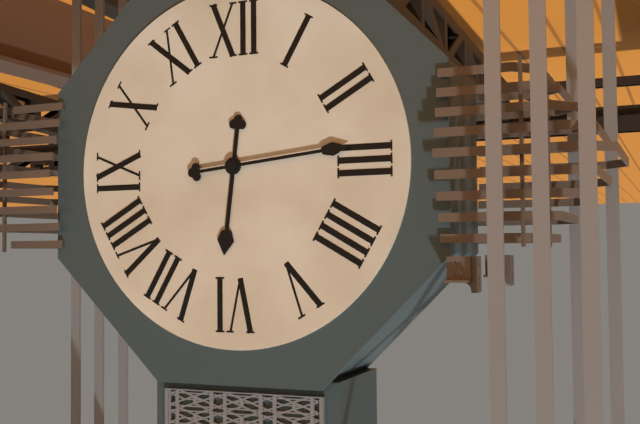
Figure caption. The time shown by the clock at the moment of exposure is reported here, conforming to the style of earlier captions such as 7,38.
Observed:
6,14
